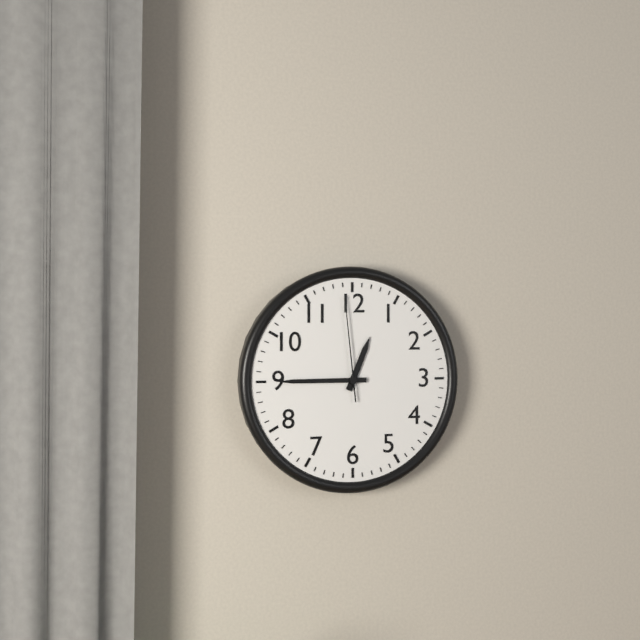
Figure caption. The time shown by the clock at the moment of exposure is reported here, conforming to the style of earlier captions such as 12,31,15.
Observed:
12,45,59
